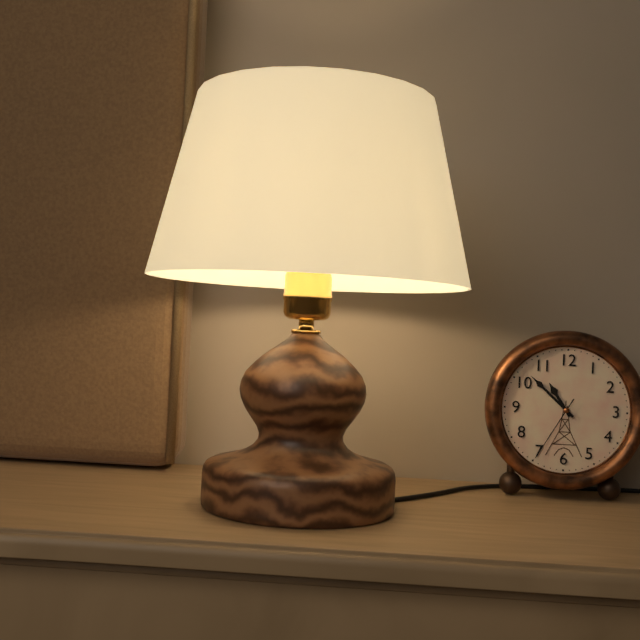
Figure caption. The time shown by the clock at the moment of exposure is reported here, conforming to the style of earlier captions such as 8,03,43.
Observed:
10,52,35
